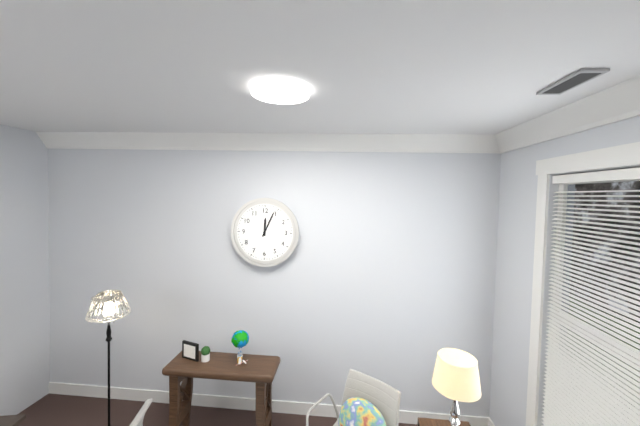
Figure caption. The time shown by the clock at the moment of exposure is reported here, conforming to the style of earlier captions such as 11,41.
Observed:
12,04
